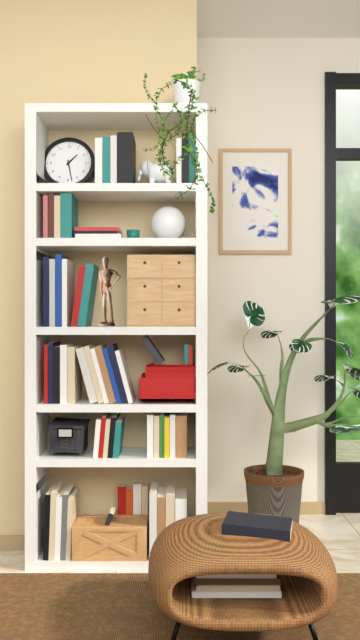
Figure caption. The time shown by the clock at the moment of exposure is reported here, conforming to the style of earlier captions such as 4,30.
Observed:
1,28
